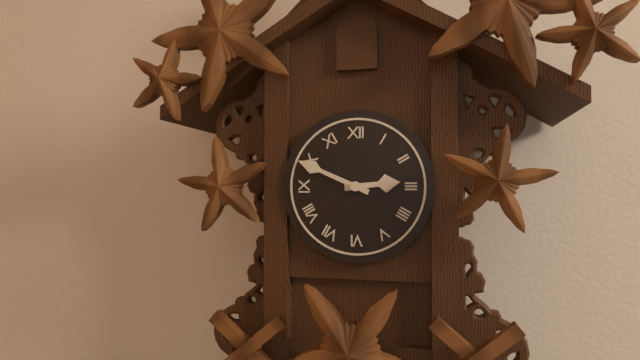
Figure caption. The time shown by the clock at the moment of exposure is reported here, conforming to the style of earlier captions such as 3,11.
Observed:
2,49
